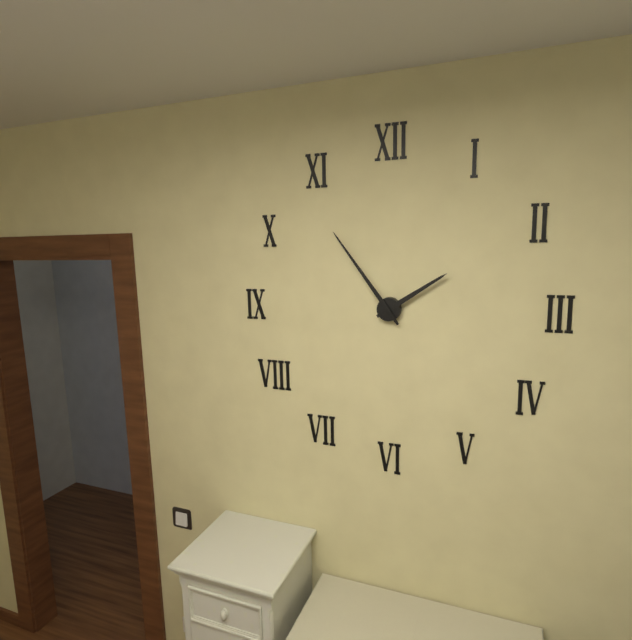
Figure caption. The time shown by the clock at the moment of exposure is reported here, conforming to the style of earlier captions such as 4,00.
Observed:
1,54
